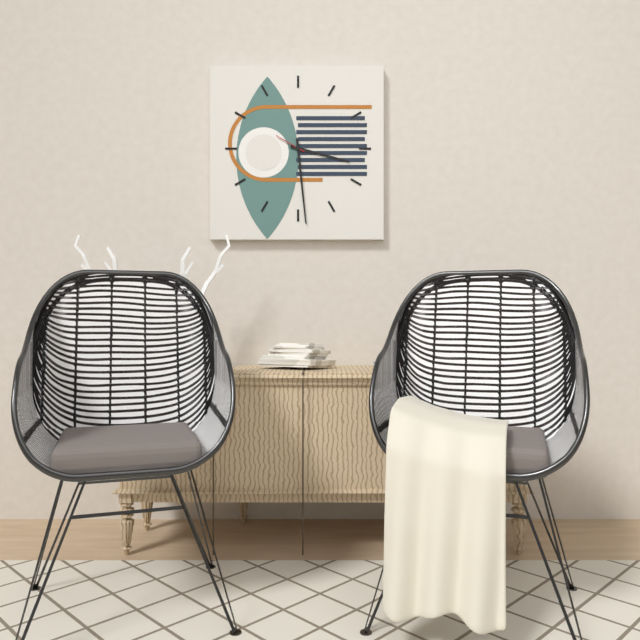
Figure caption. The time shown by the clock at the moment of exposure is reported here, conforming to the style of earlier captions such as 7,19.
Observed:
3,29
